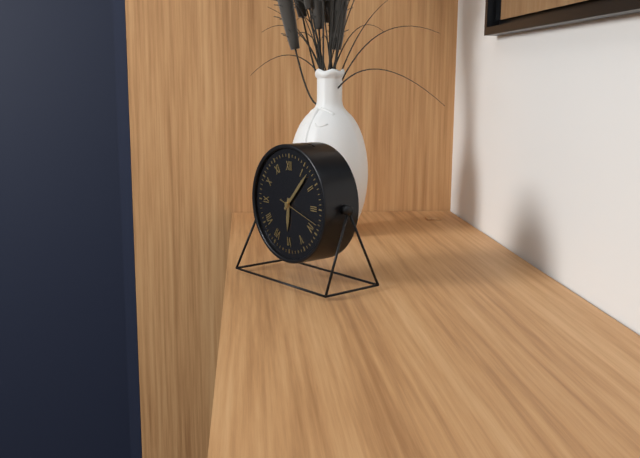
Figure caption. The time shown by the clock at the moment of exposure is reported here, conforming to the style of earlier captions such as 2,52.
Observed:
6,07
